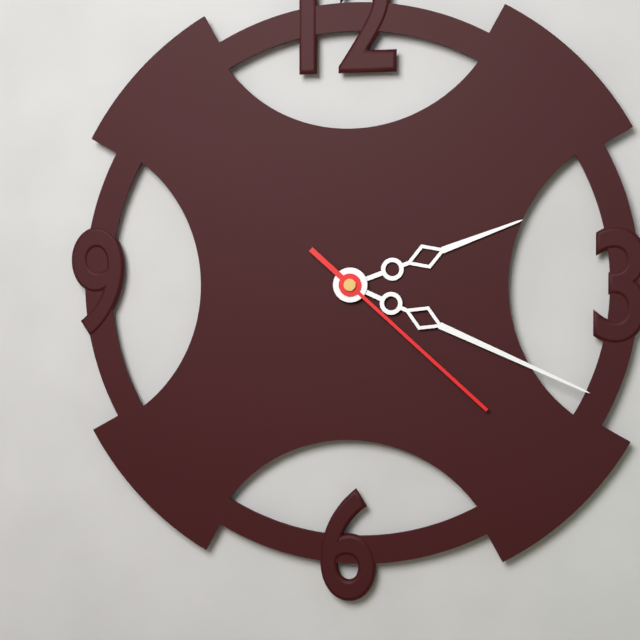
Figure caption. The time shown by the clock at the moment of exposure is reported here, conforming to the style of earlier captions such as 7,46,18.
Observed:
2,19,22
